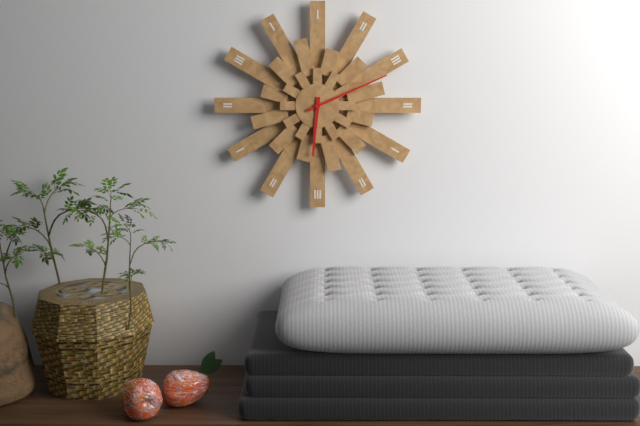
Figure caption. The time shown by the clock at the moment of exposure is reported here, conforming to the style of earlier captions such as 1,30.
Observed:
6,11
